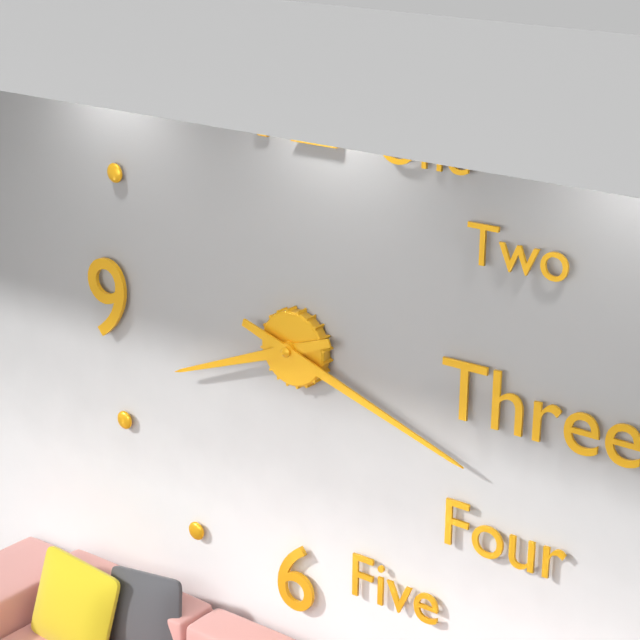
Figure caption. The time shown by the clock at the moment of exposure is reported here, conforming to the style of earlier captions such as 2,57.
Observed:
8,18
